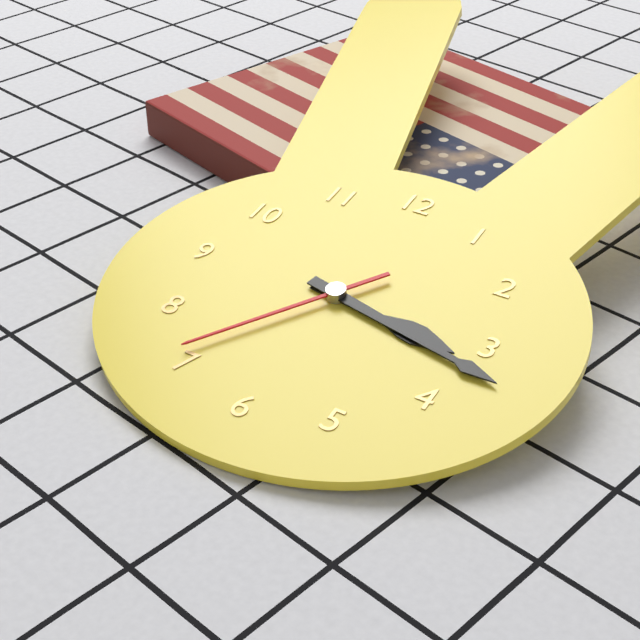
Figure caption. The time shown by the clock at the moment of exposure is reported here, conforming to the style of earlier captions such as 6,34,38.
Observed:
3,17,36
